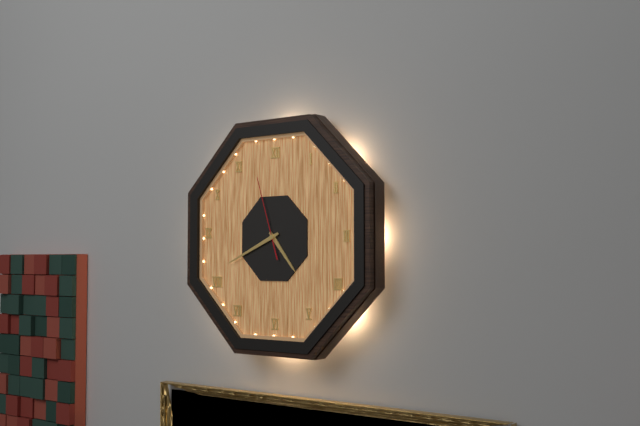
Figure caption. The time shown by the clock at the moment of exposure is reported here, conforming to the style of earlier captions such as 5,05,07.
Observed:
4,41,57
